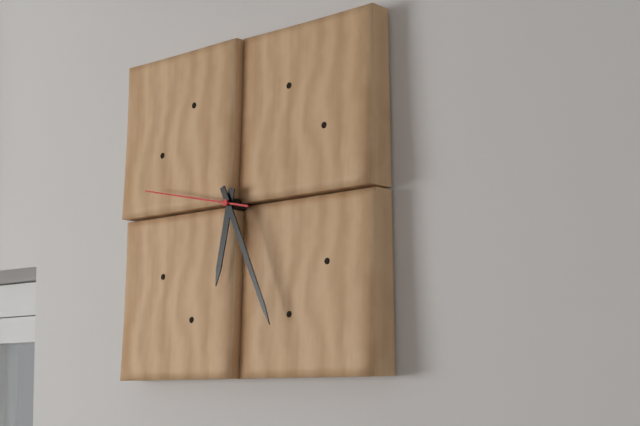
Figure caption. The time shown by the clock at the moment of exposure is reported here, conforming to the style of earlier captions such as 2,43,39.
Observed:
6,26,47
